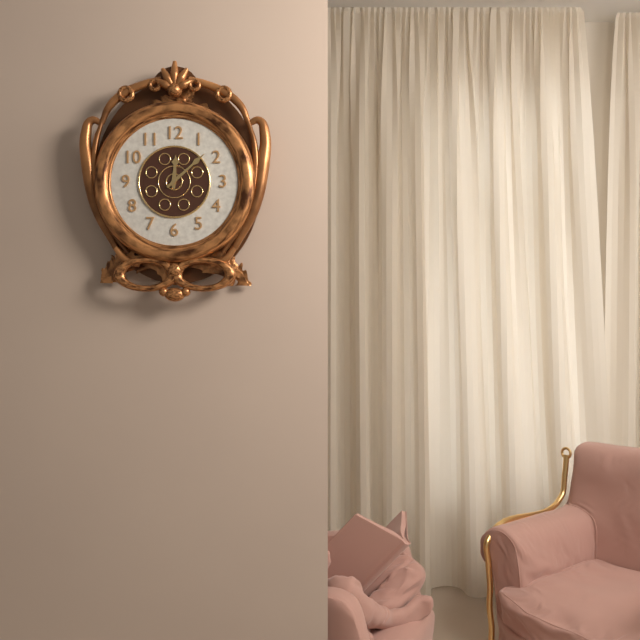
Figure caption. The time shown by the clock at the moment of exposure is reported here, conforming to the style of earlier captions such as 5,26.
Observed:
12,08
